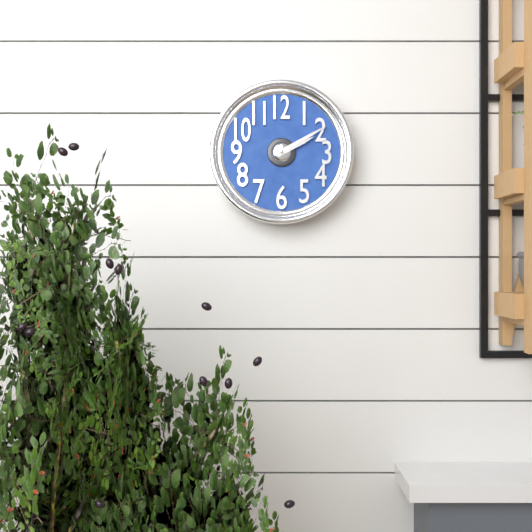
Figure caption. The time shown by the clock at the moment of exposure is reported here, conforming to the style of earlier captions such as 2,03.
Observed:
2,10
